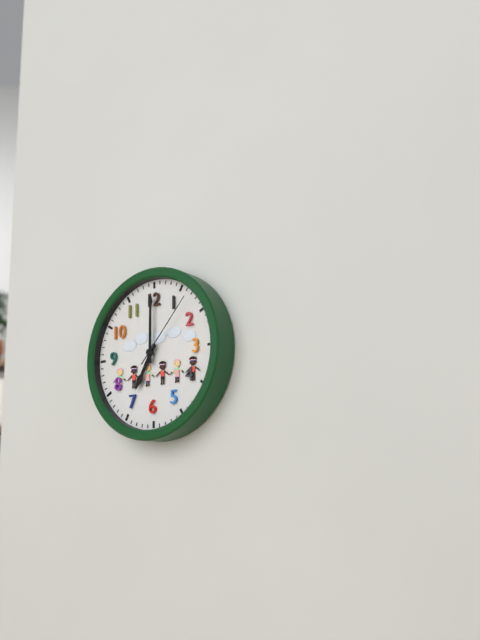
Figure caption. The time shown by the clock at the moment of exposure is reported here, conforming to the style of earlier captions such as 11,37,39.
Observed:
7,00,07
